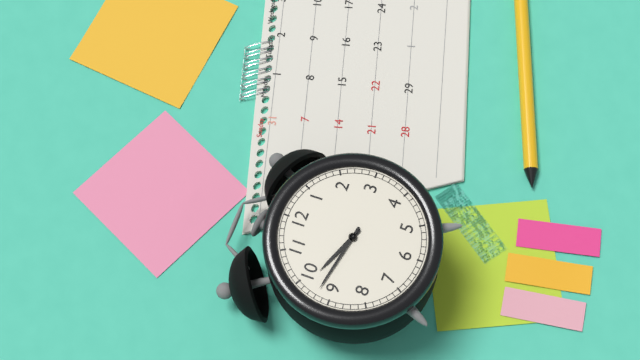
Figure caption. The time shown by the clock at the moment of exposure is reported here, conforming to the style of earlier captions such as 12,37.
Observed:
9,47
